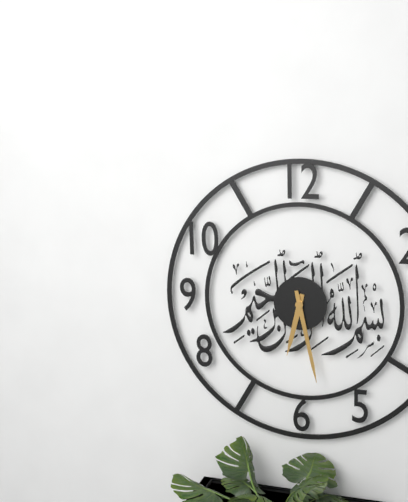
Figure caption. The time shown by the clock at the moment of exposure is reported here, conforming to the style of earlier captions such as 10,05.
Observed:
6,28
